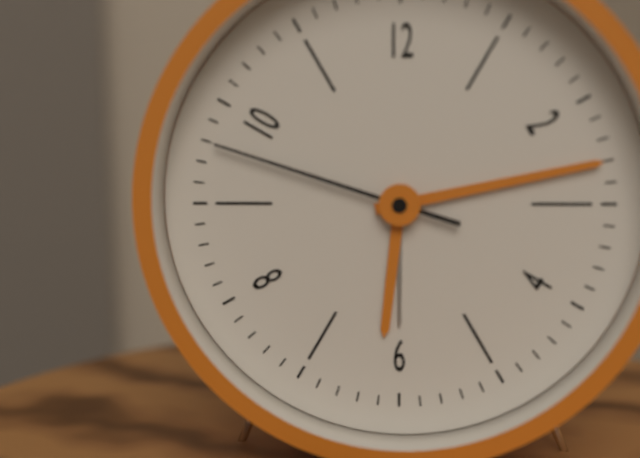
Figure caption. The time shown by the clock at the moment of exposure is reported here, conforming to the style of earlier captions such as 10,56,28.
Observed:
6,13,48
